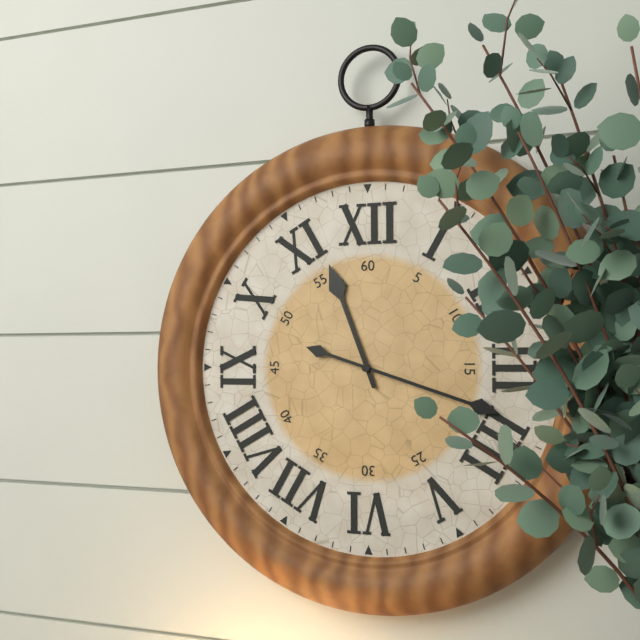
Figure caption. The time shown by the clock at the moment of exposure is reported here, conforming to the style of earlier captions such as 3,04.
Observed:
11,18
